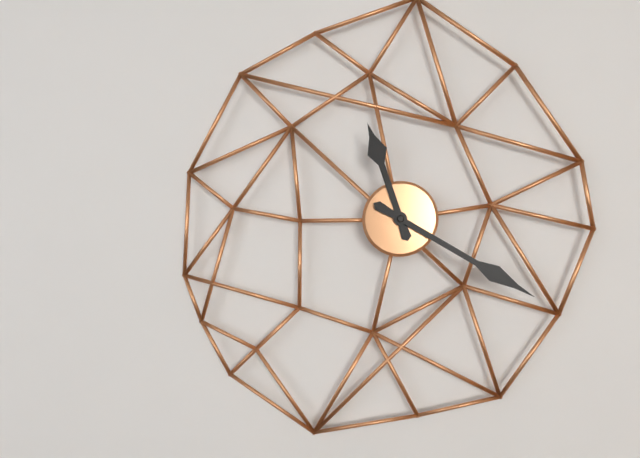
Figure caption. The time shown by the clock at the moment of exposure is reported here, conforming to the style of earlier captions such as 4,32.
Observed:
11,20
